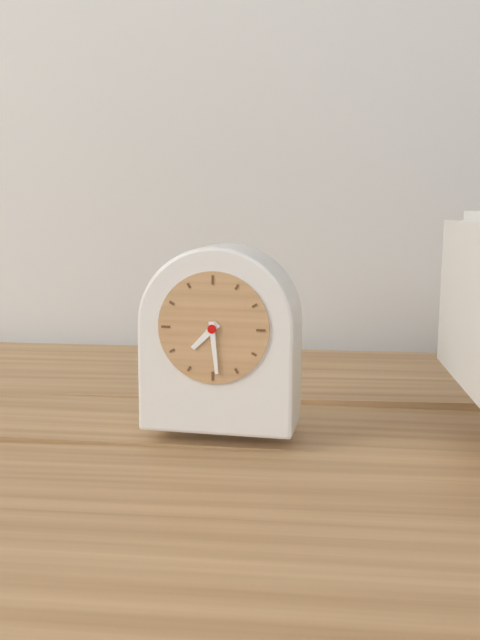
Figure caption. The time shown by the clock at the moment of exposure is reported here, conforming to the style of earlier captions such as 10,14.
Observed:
7,29
